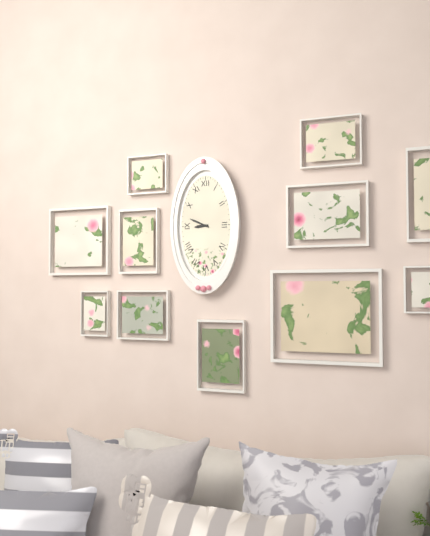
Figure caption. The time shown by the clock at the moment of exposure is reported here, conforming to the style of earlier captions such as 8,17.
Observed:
8,49
